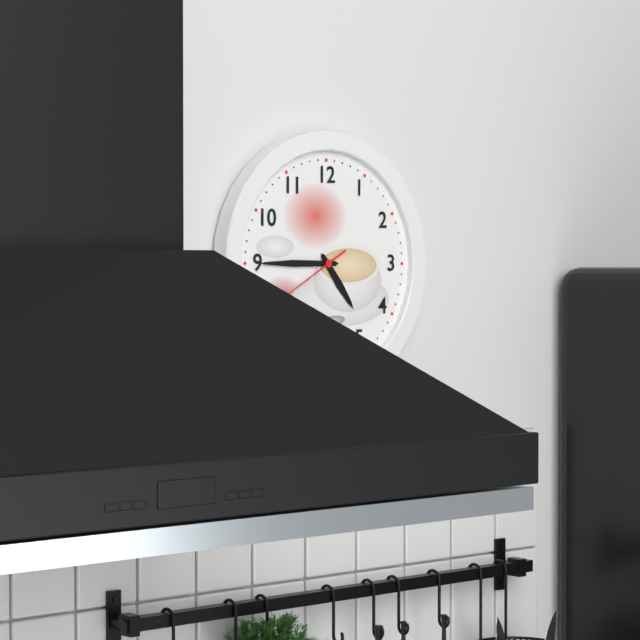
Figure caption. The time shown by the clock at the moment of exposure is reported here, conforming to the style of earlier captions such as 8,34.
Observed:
4,45
